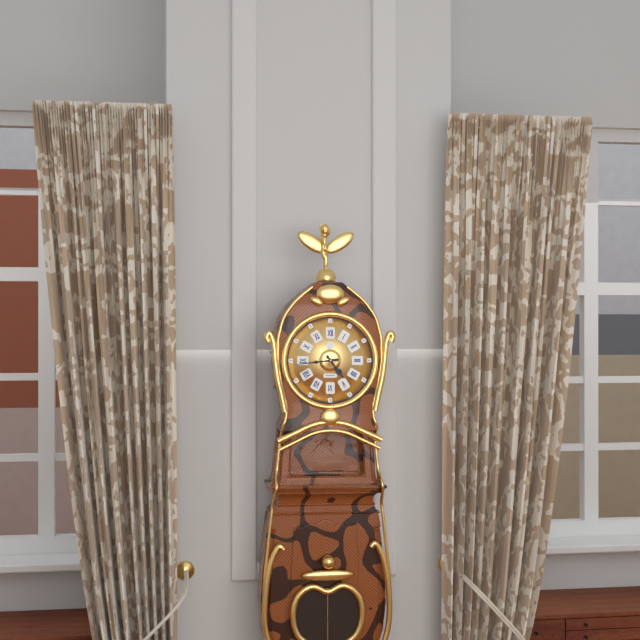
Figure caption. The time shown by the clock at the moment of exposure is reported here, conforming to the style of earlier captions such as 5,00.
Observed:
4,44
